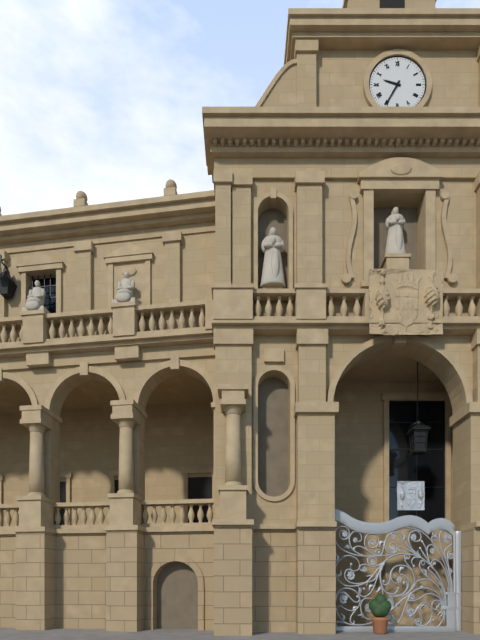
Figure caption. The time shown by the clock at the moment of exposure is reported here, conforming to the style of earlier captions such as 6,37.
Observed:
9,35
